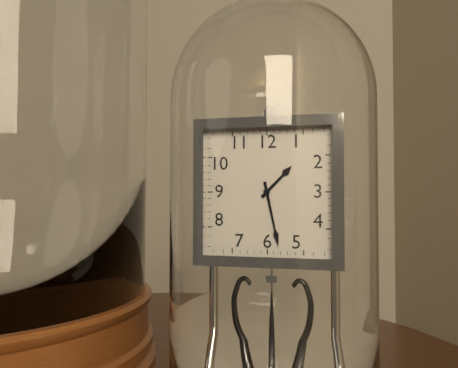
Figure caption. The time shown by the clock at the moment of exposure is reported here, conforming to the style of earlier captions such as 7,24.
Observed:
1,28
